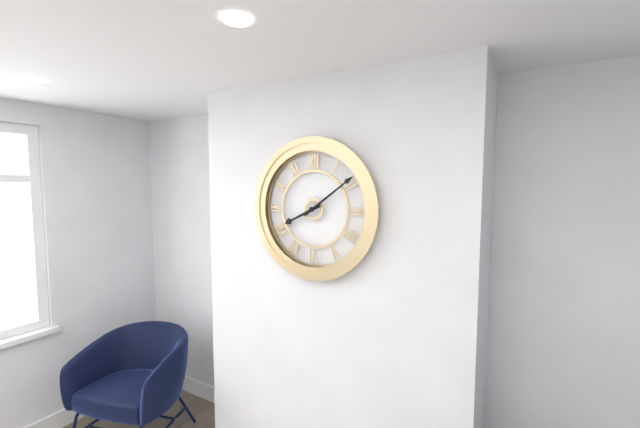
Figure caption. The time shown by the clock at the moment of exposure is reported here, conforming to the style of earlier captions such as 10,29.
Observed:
8,09
